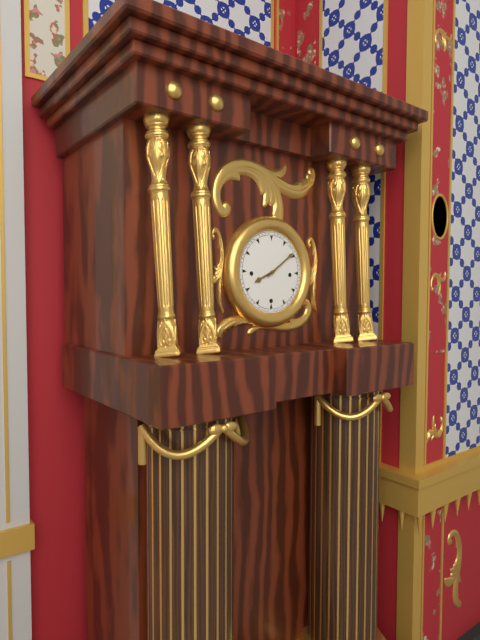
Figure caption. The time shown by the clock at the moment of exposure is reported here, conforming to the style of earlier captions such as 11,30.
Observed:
8,09
